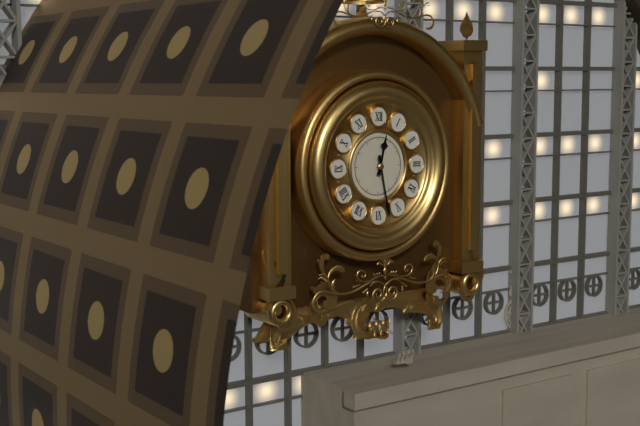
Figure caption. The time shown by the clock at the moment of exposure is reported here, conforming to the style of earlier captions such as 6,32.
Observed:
12,28
